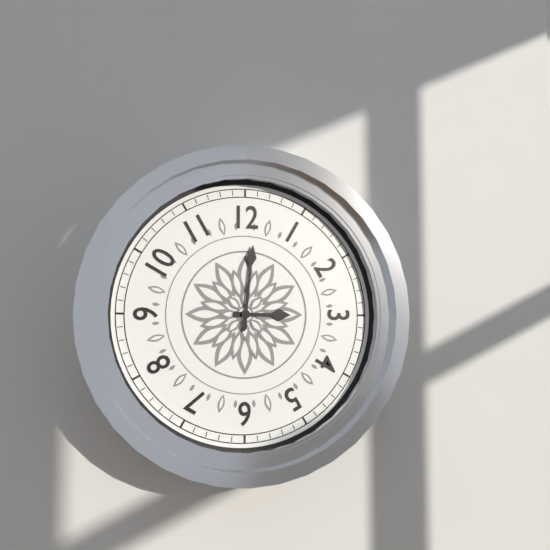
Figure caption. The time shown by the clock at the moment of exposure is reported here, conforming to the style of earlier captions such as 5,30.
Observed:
3,01
